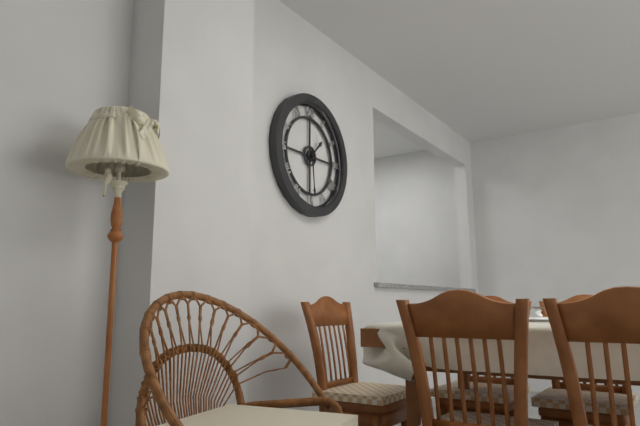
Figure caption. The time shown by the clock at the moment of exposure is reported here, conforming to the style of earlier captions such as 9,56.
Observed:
1,29
